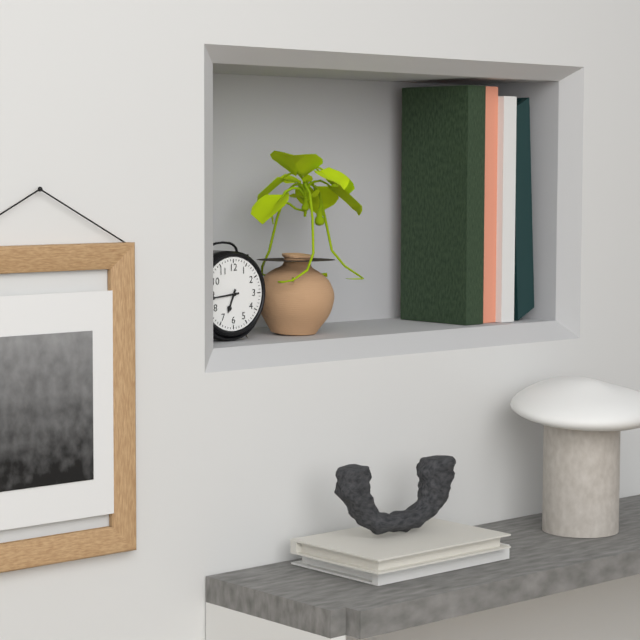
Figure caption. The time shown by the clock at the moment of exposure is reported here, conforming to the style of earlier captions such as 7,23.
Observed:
6,44
